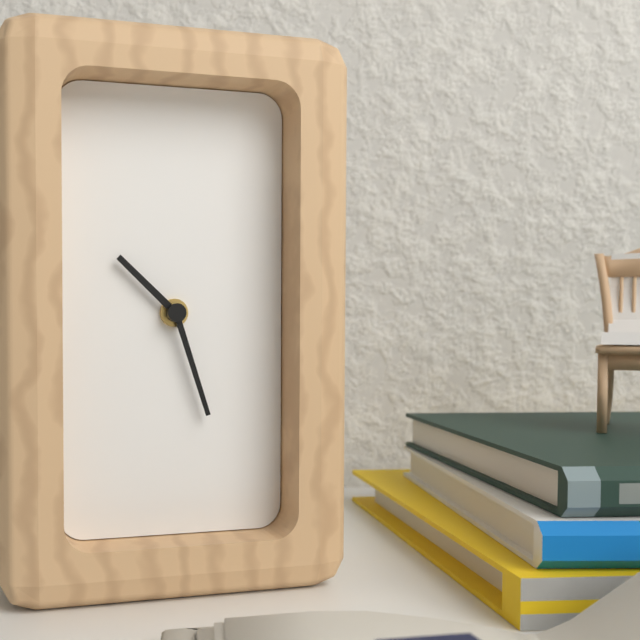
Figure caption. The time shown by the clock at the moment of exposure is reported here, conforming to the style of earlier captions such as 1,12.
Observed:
10,27
